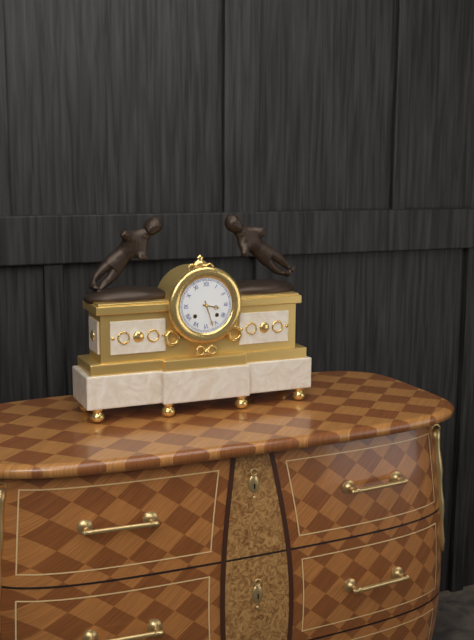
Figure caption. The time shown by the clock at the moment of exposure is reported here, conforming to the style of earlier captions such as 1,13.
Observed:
3,27
